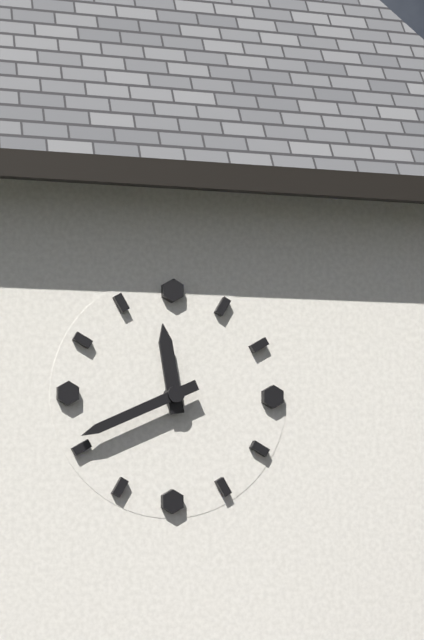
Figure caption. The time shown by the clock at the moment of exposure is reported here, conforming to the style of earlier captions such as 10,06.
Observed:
11,41
